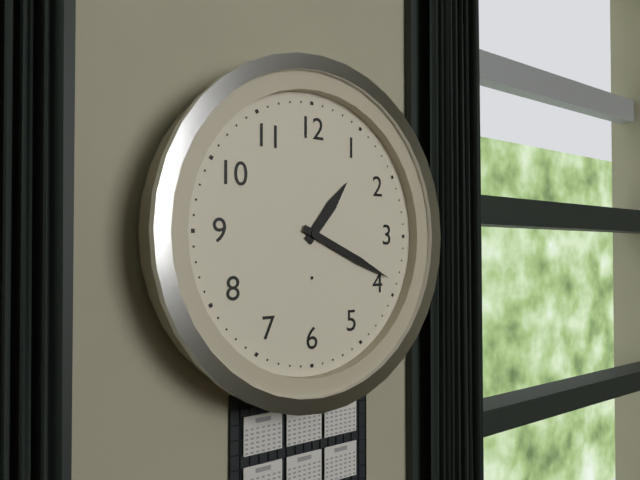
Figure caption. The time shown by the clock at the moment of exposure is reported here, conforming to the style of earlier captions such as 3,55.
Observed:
1,19
